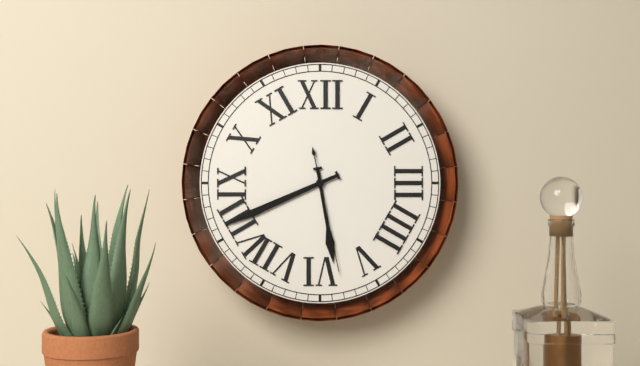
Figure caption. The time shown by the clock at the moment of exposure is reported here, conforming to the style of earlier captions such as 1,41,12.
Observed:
5,41,28
